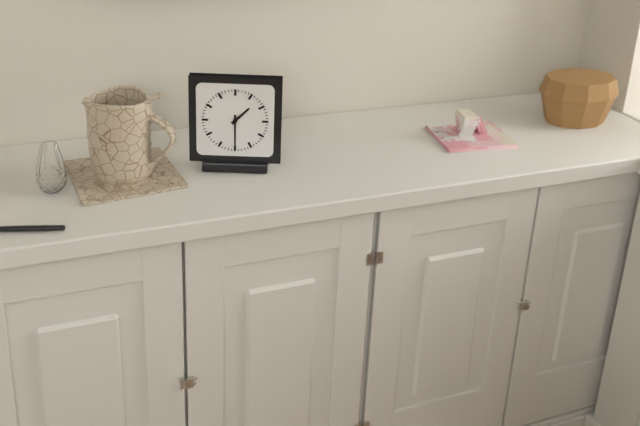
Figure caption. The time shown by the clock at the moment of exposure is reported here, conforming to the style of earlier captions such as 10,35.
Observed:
1,30
